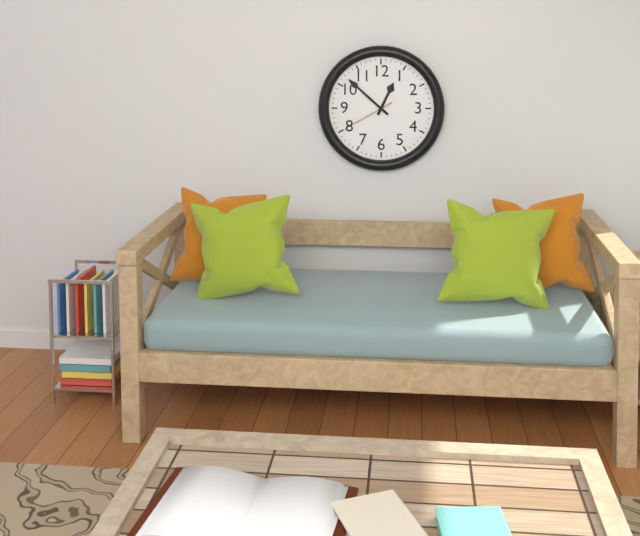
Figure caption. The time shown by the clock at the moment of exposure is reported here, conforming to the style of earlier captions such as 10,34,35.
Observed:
12,52,40
